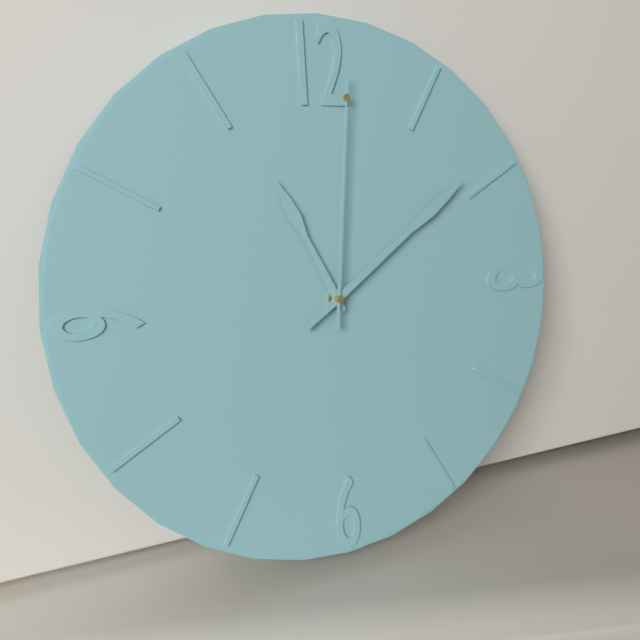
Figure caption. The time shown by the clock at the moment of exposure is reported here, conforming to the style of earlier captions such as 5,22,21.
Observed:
11,09,01
